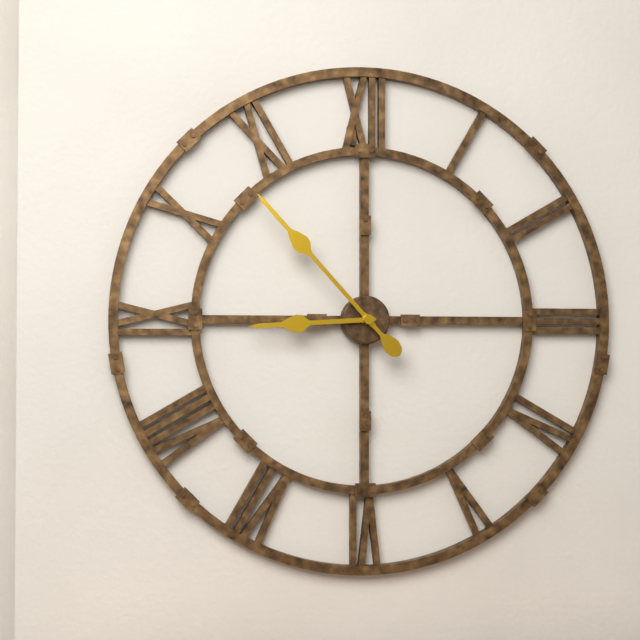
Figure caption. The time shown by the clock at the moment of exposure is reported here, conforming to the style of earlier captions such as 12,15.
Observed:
8,53
